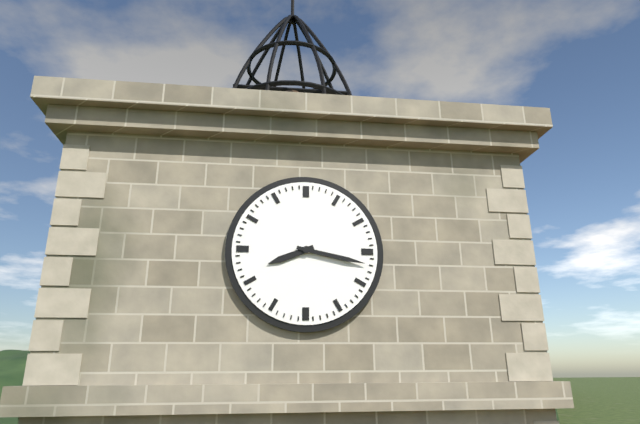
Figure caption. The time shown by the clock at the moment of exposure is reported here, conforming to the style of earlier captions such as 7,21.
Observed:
8,17
